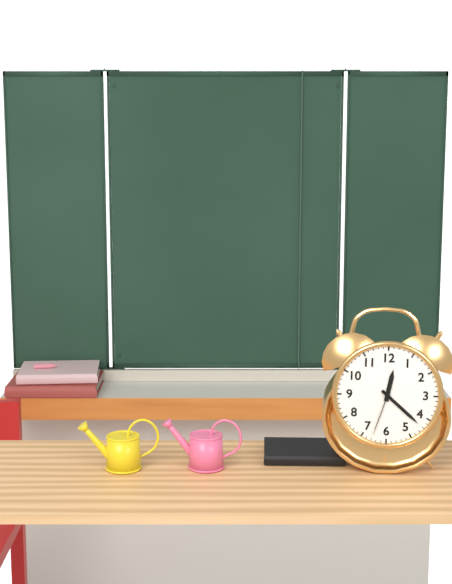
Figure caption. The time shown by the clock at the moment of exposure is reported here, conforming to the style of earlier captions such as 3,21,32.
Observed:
12,22,33
